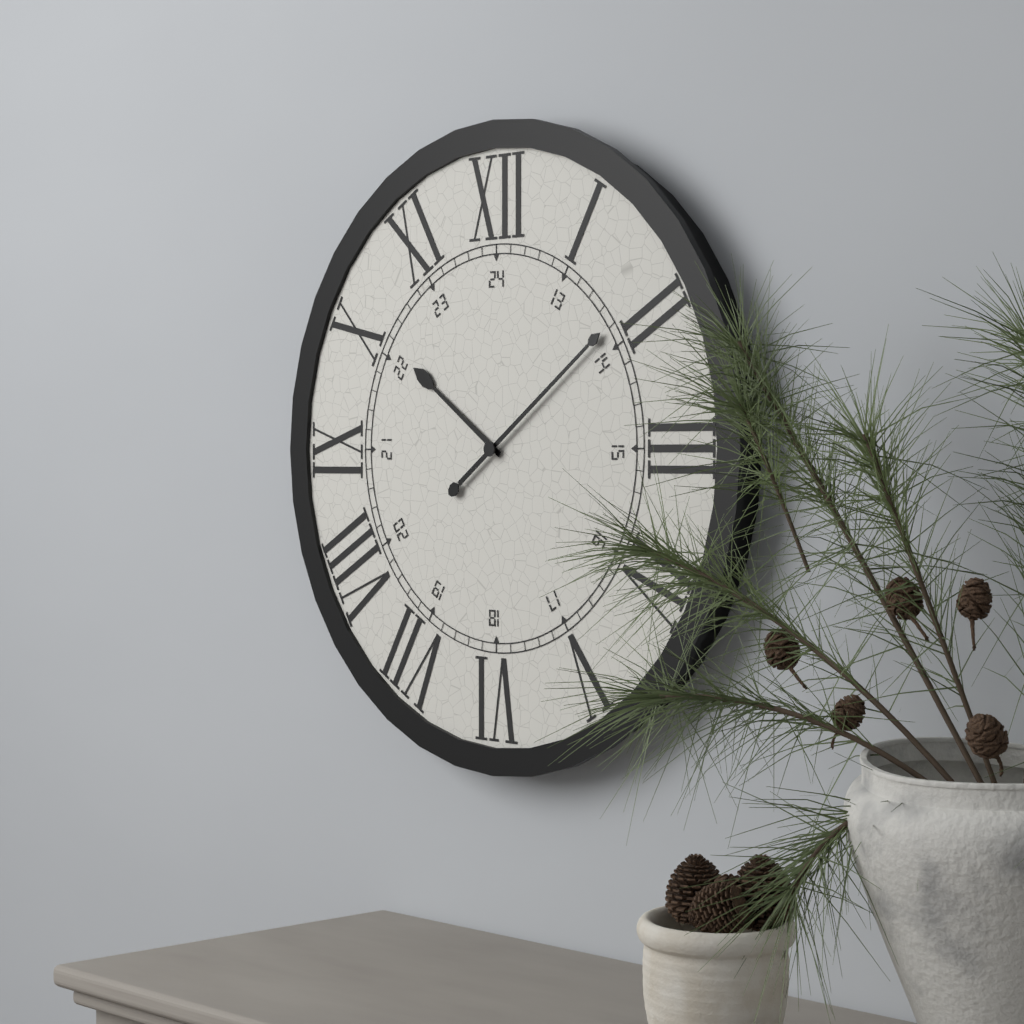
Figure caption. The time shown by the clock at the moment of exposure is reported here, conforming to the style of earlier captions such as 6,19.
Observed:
10,09
